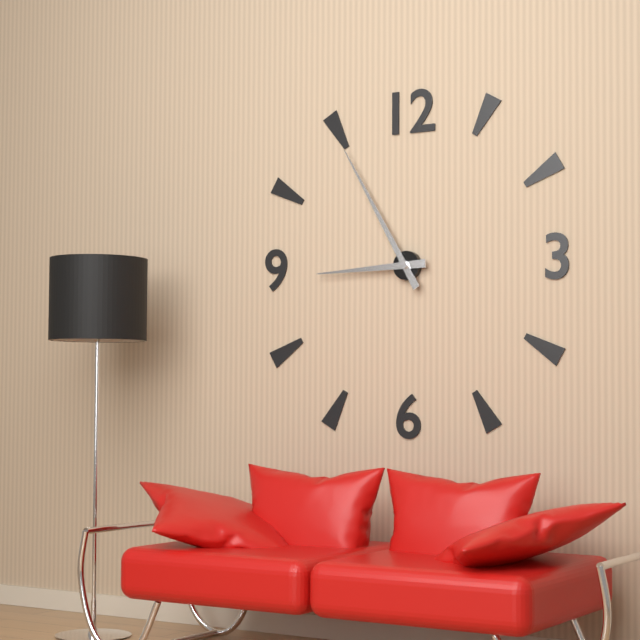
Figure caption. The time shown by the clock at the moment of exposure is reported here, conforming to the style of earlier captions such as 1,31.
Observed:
8,55
